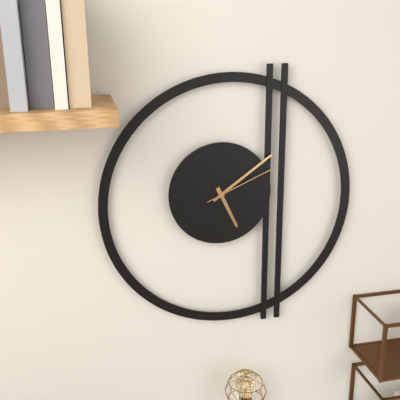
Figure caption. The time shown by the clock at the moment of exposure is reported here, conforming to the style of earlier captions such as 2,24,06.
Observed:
5,09,11
